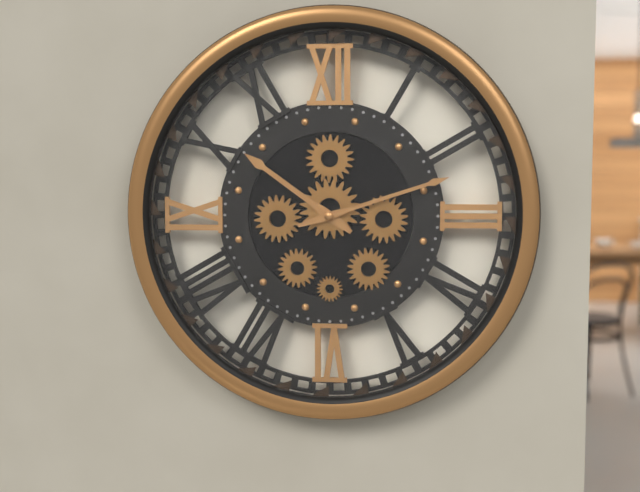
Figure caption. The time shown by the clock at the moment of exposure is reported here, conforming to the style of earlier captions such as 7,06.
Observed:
10,12
